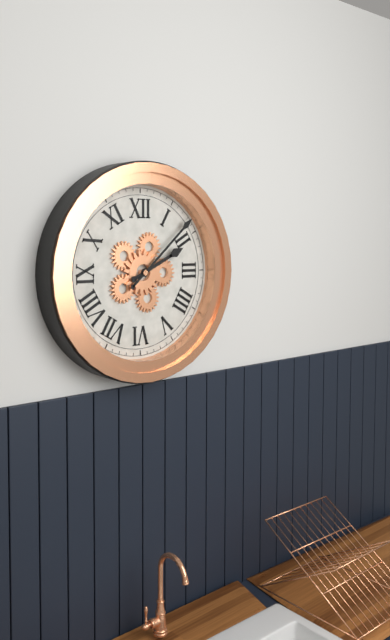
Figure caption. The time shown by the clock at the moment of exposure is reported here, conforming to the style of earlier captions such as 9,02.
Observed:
2,08
